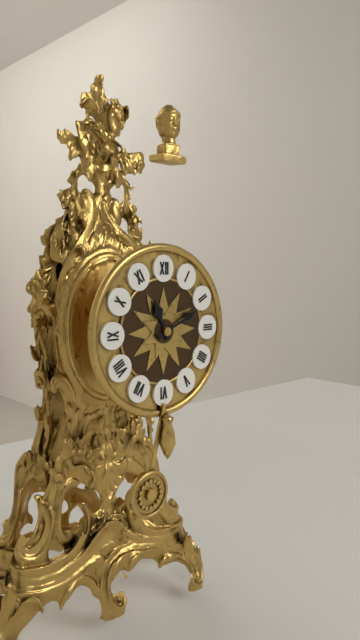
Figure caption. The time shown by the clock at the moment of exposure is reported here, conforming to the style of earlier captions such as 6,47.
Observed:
11,11
